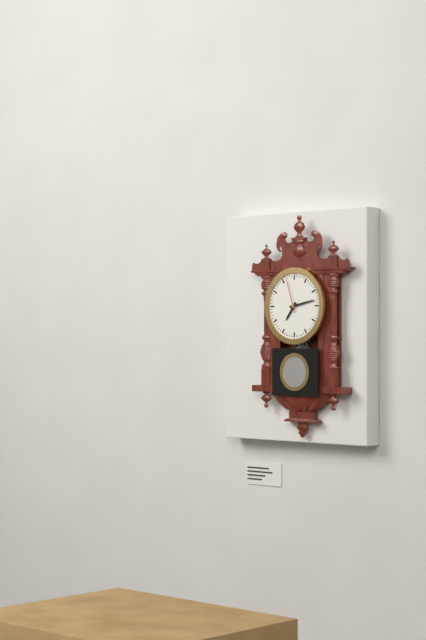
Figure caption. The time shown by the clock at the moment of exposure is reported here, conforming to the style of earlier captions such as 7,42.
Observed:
7,13
